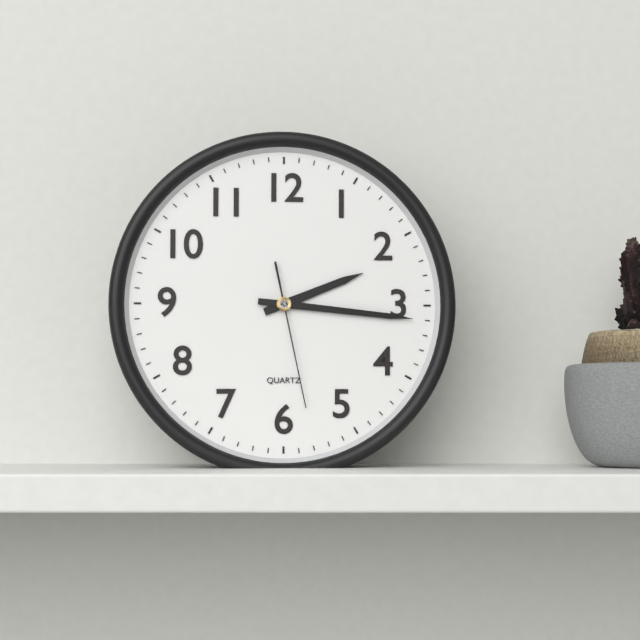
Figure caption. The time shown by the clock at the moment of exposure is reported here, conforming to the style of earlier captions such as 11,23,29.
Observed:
2,16,28
